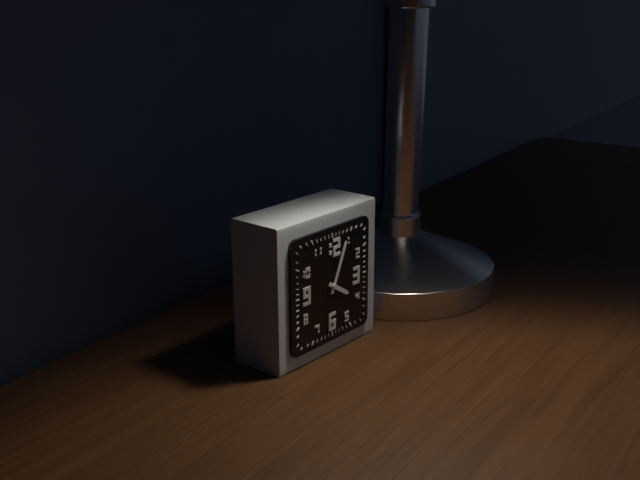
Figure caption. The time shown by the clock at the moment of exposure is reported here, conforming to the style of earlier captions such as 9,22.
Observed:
4,04
